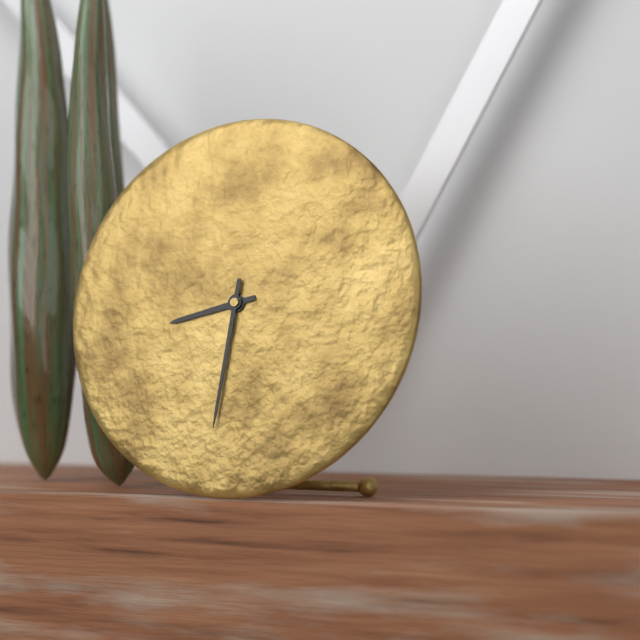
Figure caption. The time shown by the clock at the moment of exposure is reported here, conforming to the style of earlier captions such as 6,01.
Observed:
8,31
